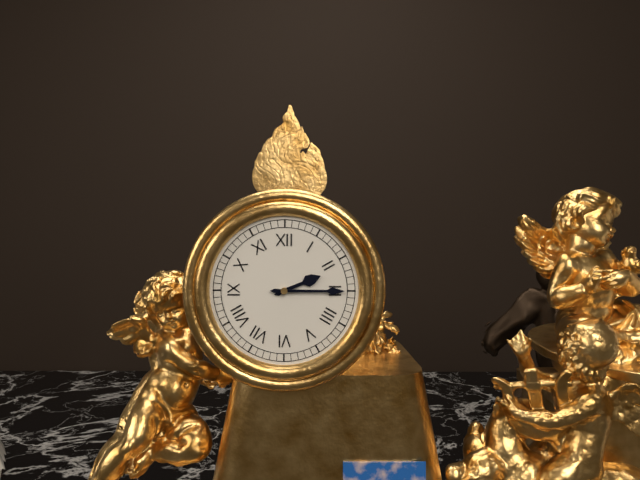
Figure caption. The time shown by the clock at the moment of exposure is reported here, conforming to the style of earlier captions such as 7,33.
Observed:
2,15
